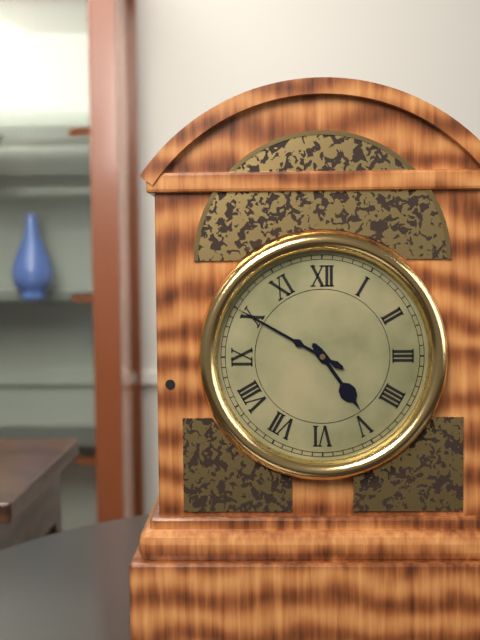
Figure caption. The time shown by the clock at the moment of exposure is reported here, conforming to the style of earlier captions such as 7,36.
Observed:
4,50
